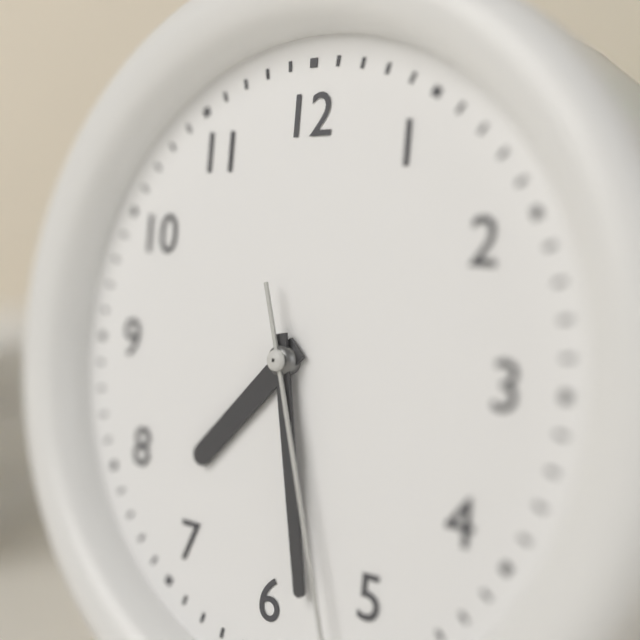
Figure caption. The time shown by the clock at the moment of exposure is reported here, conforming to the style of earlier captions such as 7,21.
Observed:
7,28
